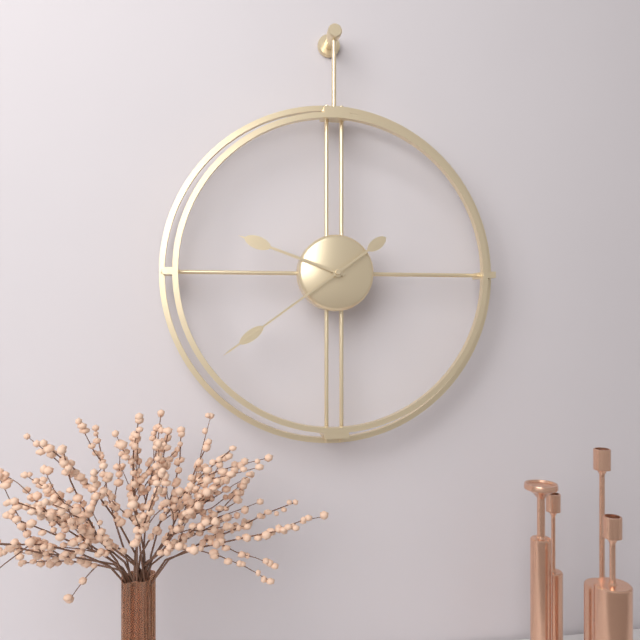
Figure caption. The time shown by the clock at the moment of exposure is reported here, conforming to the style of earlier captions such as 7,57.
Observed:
9,39
